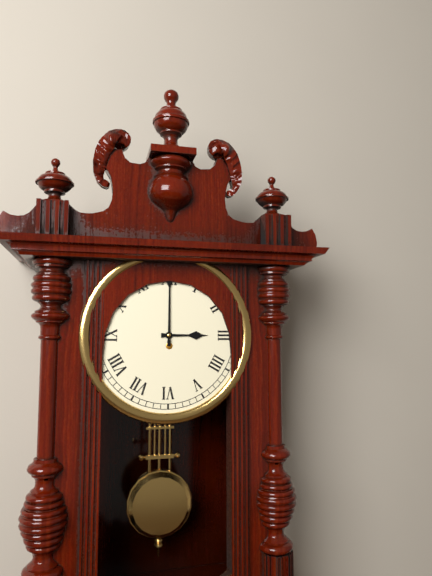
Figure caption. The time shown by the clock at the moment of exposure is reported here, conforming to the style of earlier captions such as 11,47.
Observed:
3,00
